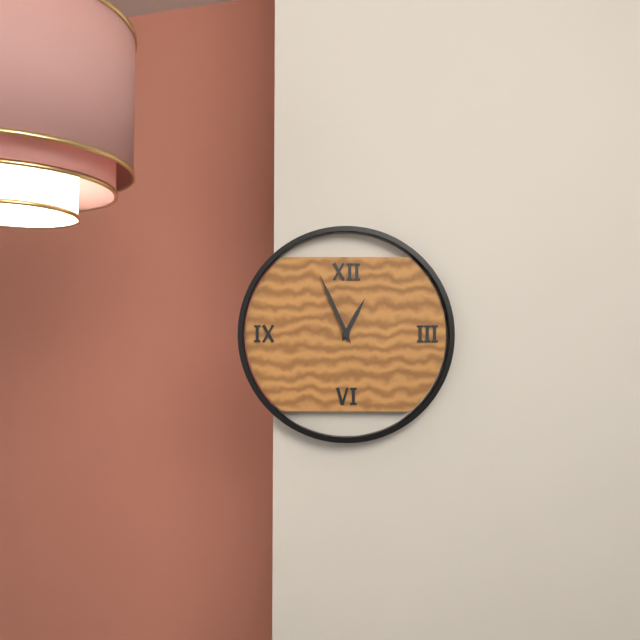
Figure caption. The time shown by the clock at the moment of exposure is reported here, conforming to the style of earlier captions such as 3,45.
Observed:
12,56
